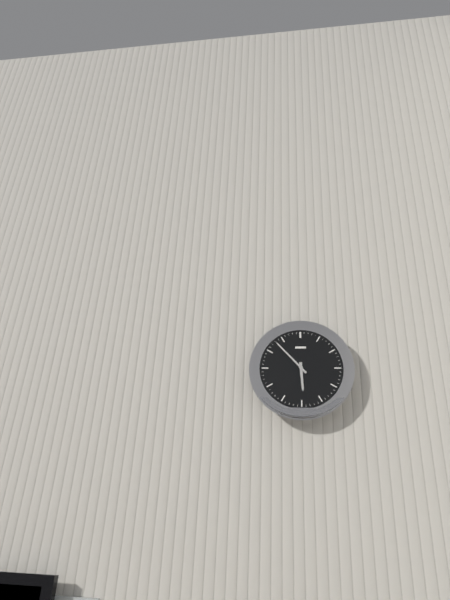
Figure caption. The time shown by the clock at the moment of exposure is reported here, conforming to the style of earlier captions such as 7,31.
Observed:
5,53
